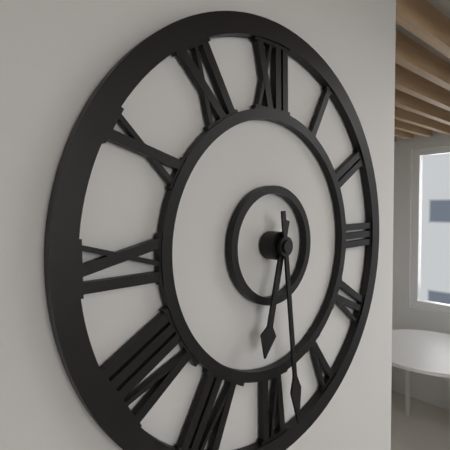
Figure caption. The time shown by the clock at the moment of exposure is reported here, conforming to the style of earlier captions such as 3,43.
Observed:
6,29
